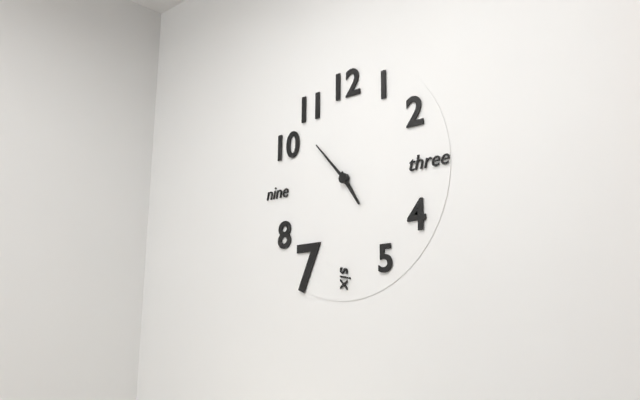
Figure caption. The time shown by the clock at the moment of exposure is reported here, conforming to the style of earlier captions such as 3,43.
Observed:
4,53
